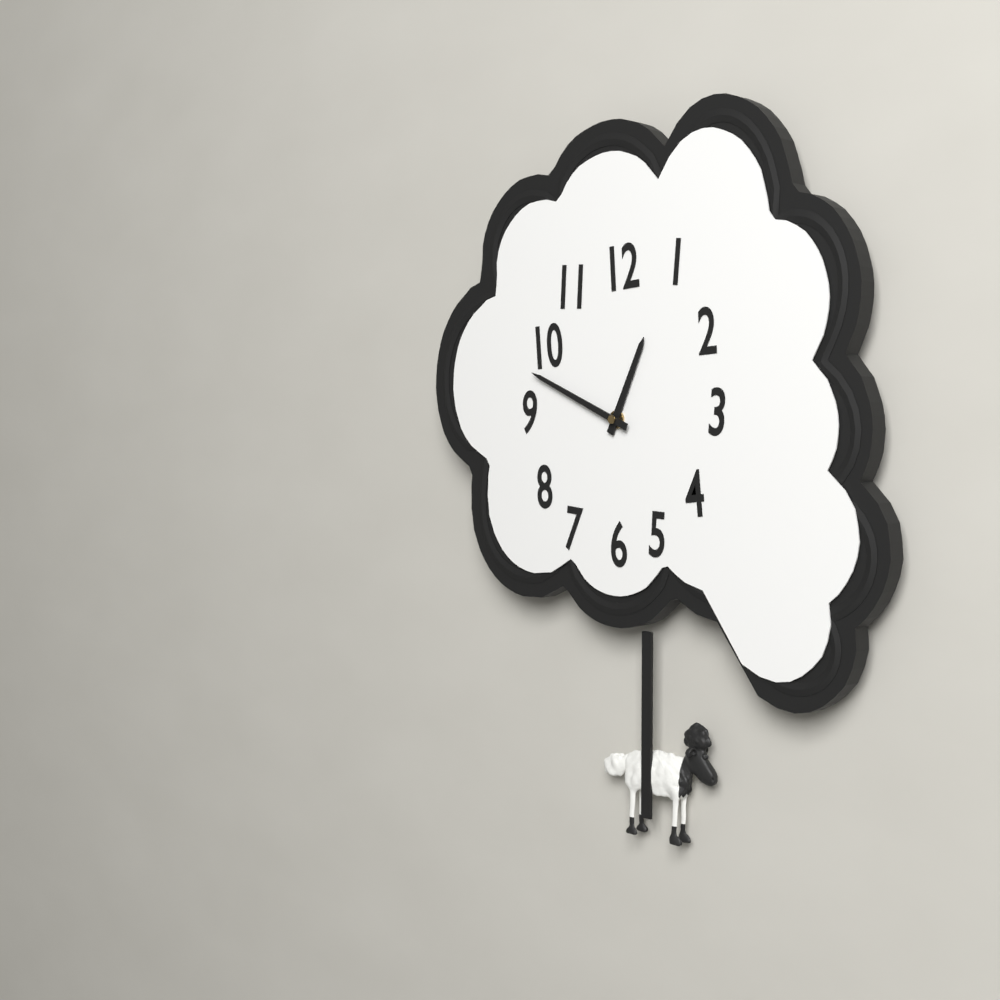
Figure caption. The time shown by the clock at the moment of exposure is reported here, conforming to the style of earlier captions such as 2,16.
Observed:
12,49
